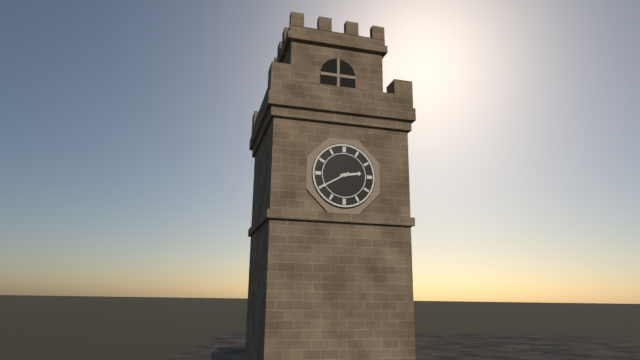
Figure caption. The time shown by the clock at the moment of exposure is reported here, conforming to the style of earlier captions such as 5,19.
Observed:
2,40
